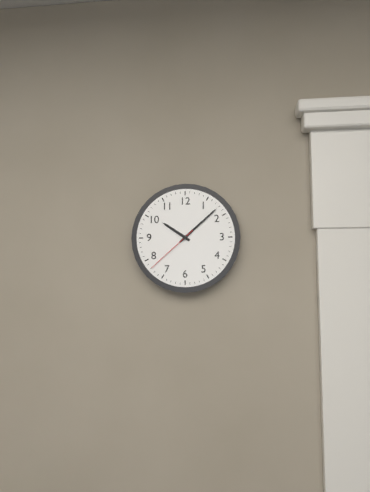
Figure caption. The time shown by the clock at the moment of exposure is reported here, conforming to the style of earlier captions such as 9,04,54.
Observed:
10,08,38
